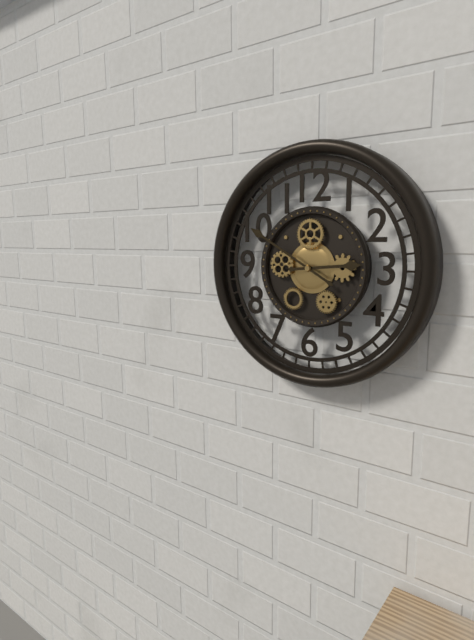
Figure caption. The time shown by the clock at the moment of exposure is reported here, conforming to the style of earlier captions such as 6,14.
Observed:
2,50
